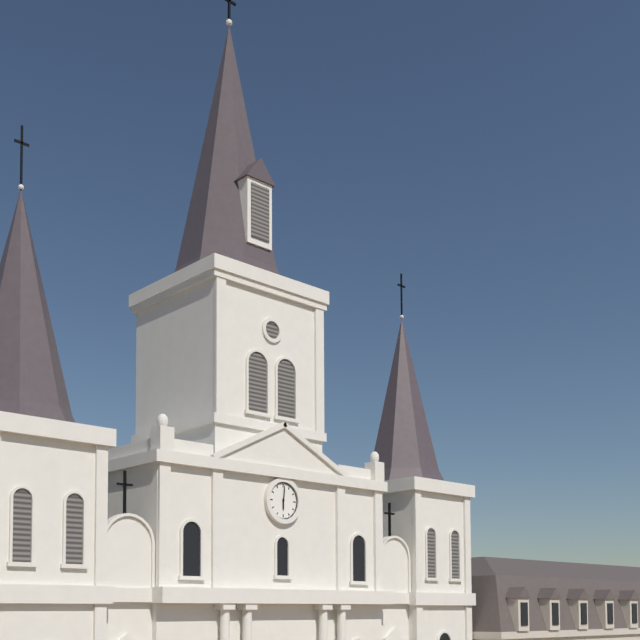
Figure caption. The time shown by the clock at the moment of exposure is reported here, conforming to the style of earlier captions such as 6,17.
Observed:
6,01
